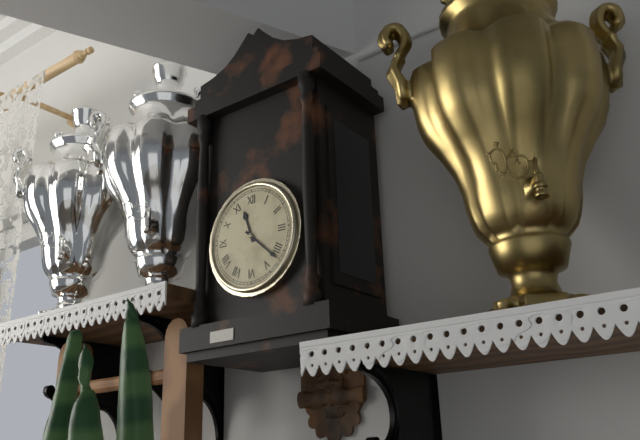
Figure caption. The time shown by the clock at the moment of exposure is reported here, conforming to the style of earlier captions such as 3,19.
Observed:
11,22
